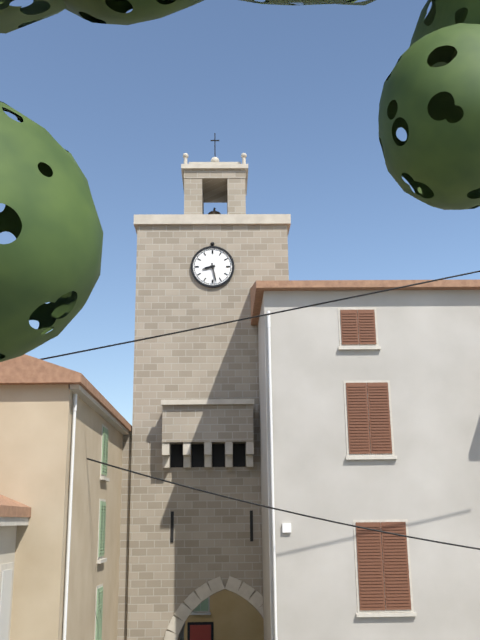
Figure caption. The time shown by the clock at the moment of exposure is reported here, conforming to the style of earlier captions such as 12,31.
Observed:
8,28
